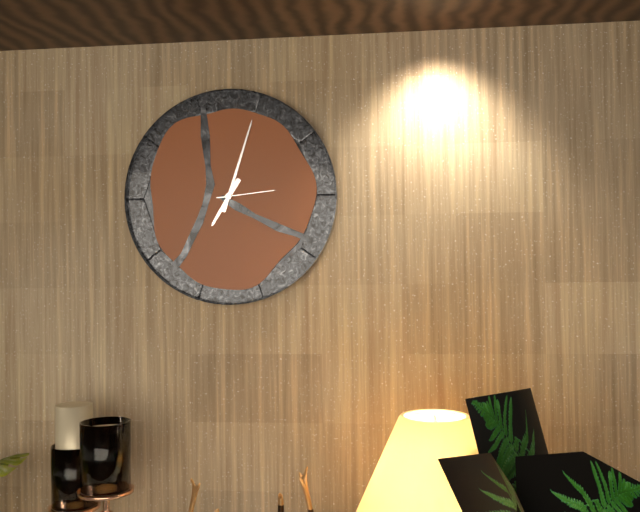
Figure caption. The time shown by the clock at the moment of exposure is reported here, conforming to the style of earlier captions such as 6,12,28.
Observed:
7,03,14
